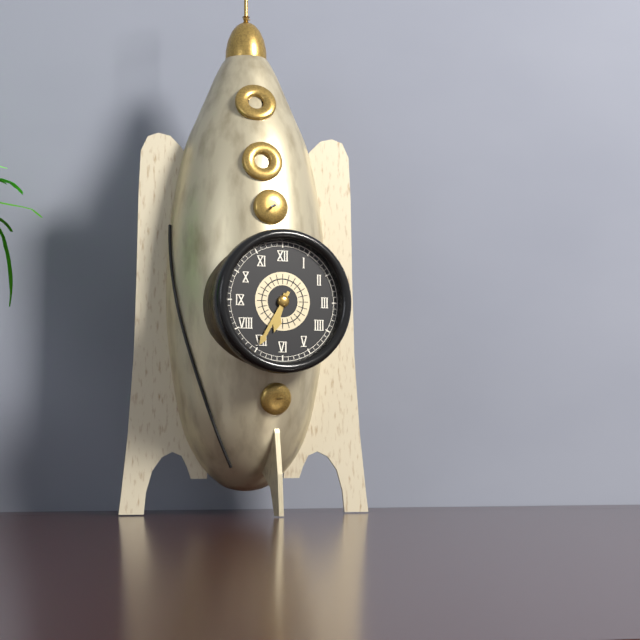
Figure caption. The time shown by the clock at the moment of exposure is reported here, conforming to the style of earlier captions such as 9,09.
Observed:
6,35
